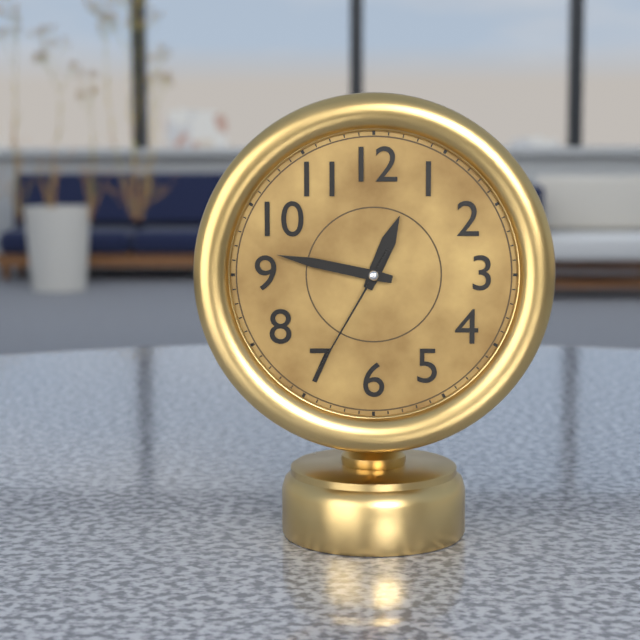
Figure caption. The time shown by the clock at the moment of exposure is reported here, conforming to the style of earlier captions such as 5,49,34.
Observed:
12,47,35
